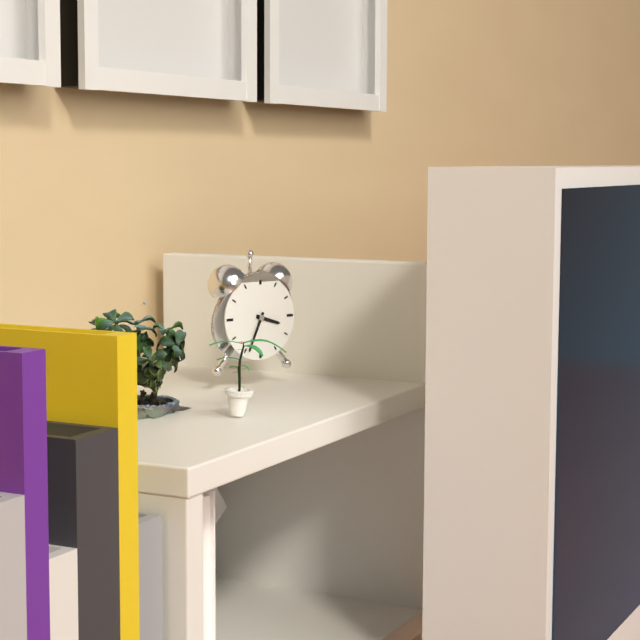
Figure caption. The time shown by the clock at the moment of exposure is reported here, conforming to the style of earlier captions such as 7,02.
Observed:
3,34
